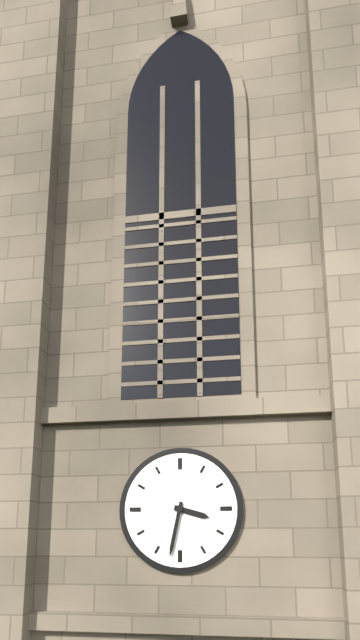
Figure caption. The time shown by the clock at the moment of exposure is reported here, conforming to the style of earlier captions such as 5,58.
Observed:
3,32
